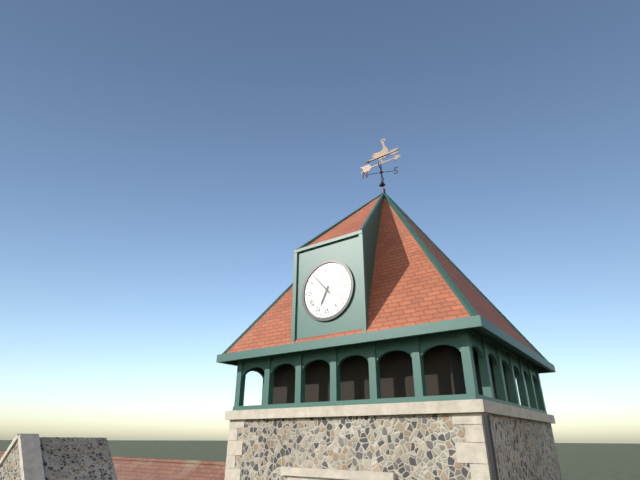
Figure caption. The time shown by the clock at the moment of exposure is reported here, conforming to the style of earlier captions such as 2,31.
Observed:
6,53
